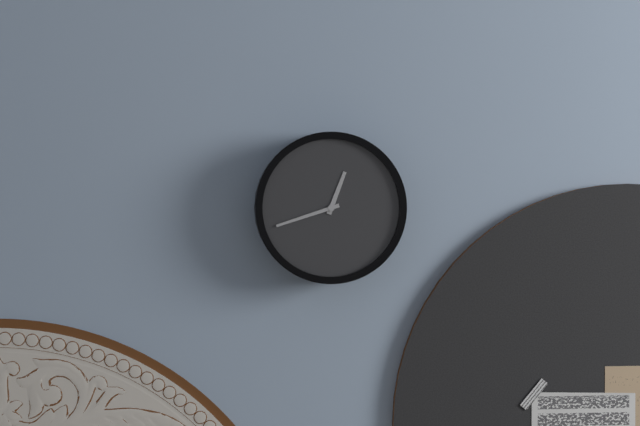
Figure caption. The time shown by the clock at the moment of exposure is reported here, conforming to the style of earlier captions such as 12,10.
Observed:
12,42
